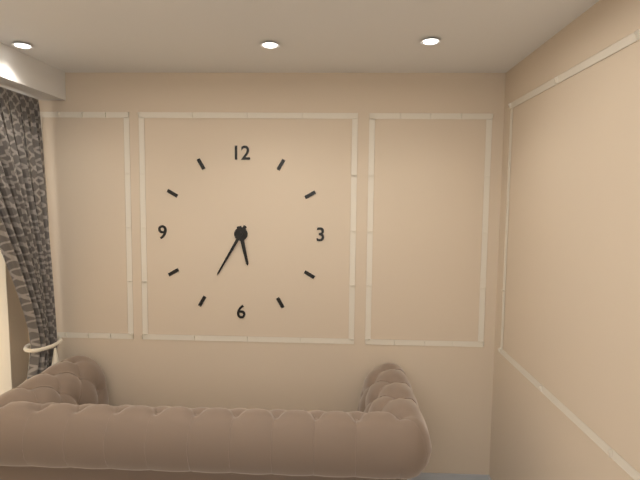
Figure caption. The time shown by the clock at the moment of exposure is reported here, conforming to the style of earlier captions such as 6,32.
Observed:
5,35
